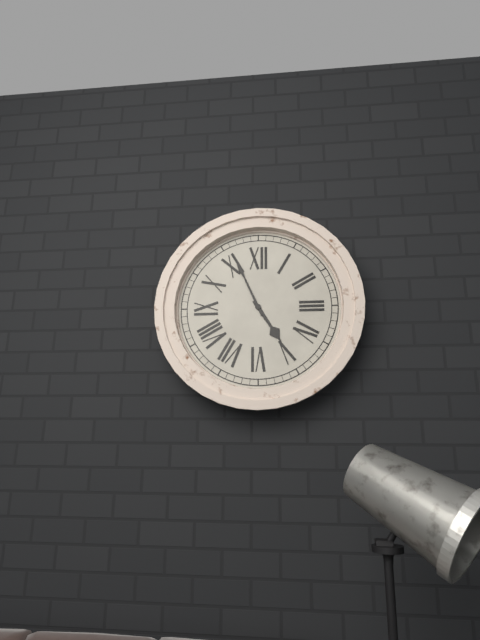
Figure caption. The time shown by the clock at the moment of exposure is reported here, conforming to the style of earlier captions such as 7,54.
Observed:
4,56
